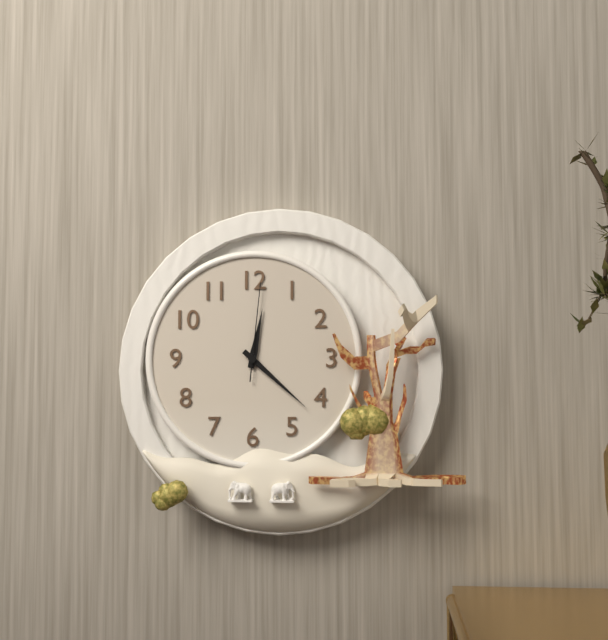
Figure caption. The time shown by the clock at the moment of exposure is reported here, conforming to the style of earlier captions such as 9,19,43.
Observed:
12,22,01
